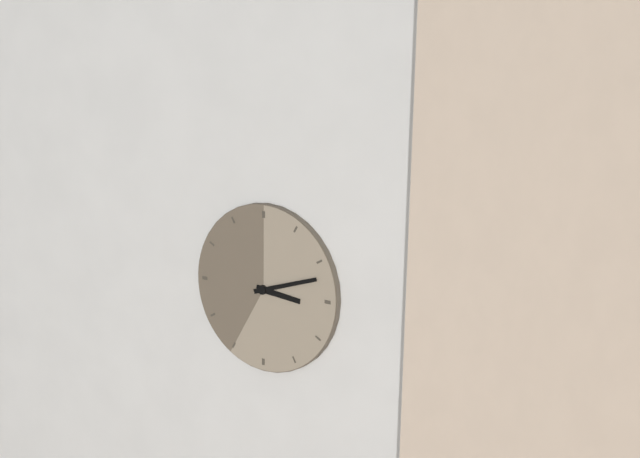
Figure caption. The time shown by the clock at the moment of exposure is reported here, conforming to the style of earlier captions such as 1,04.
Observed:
3,12
